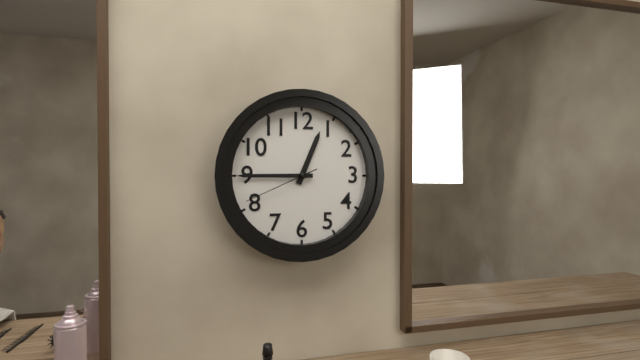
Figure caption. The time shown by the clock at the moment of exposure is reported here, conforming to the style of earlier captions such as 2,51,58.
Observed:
12,45,41
